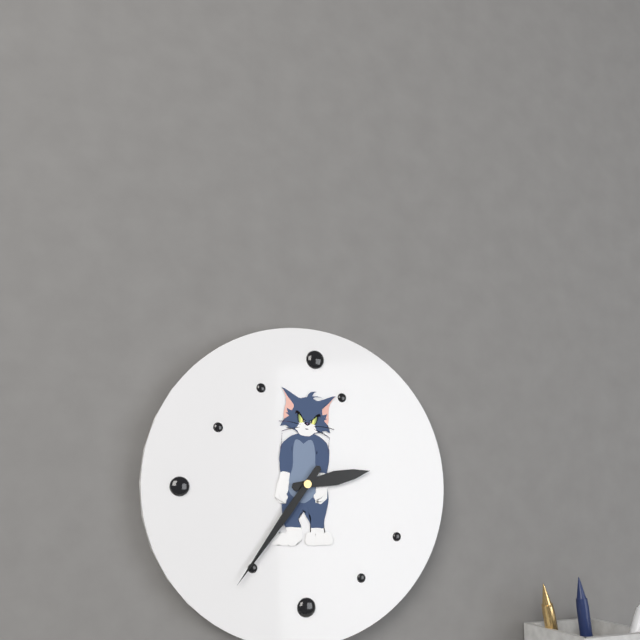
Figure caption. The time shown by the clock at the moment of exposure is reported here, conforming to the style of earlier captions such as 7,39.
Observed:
2,36
